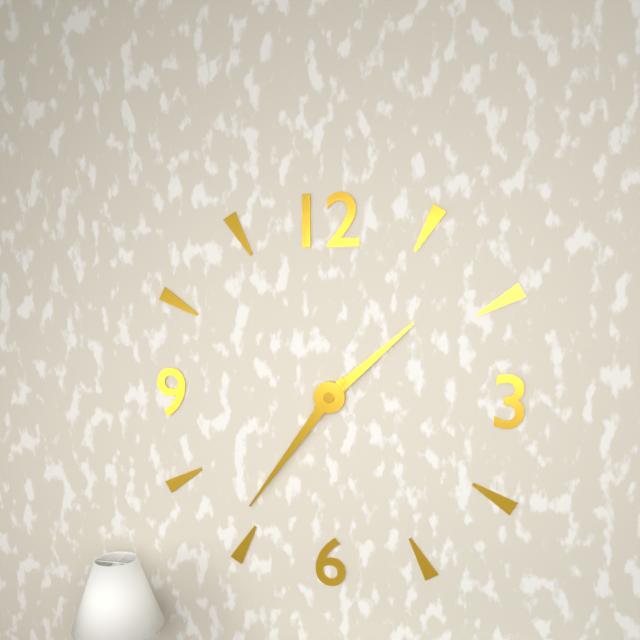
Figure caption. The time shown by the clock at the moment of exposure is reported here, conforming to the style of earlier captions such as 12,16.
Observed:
1,36
